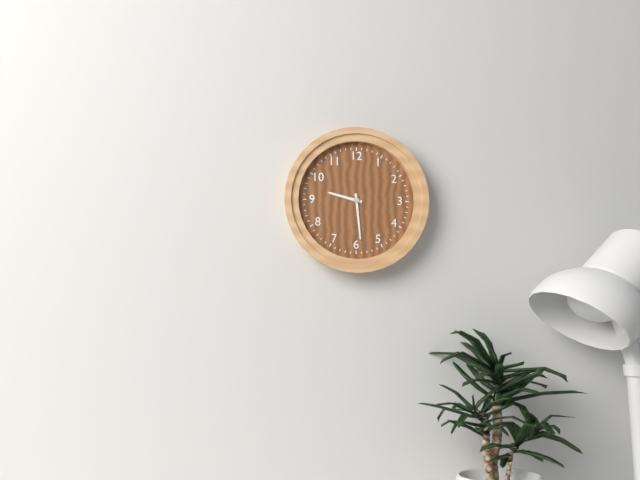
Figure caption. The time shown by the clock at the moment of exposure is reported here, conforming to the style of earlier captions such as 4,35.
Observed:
9,29
